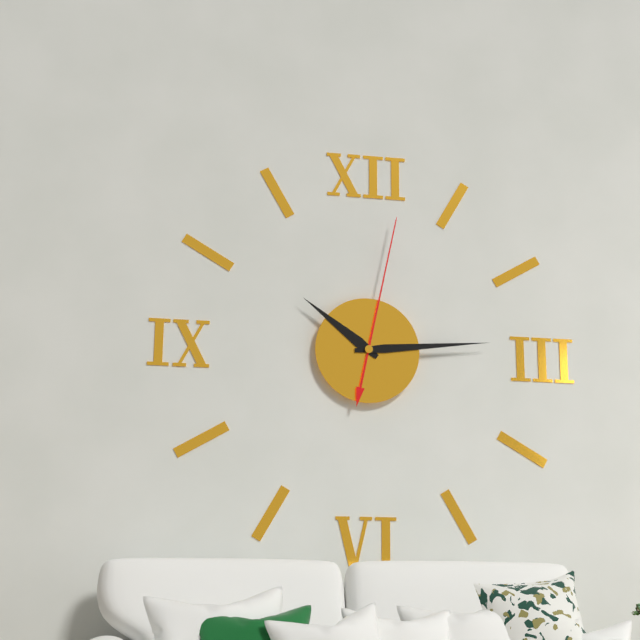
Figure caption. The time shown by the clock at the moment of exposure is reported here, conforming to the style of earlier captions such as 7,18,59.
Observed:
10,14,02
